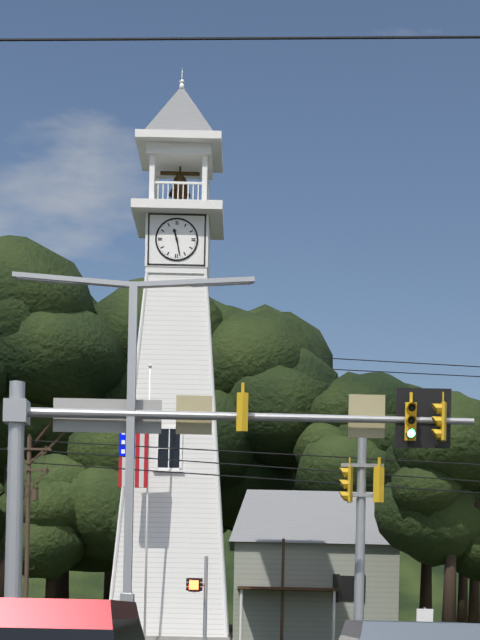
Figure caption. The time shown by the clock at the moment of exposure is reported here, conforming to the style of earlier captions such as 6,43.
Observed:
11,28
